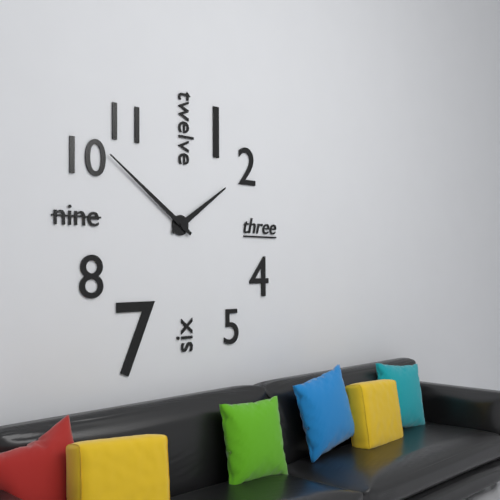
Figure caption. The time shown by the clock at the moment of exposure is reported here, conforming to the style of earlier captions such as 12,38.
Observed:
1,51
